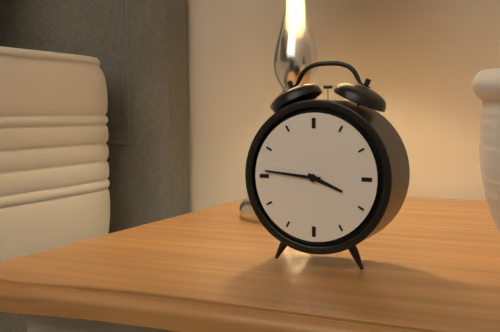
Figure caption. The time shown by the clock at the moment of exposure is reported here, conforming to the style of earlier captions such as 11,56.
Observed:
3,46
